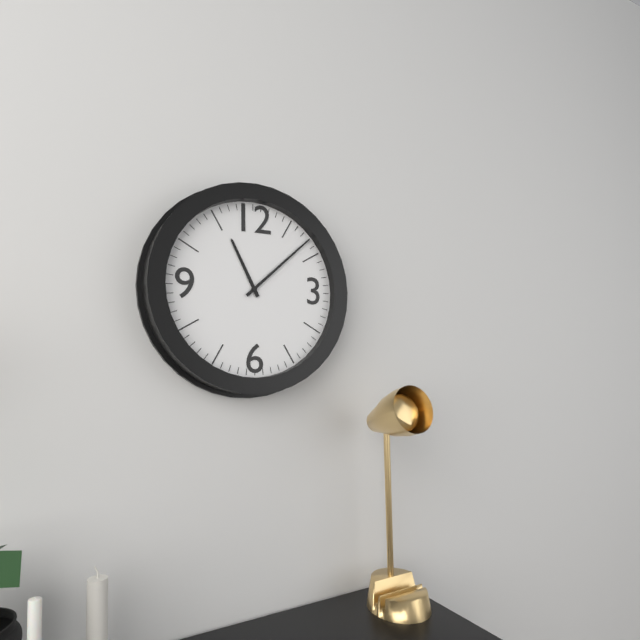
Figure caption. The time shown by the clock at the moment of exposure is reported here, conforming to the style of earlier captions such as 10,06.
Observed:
11,08
